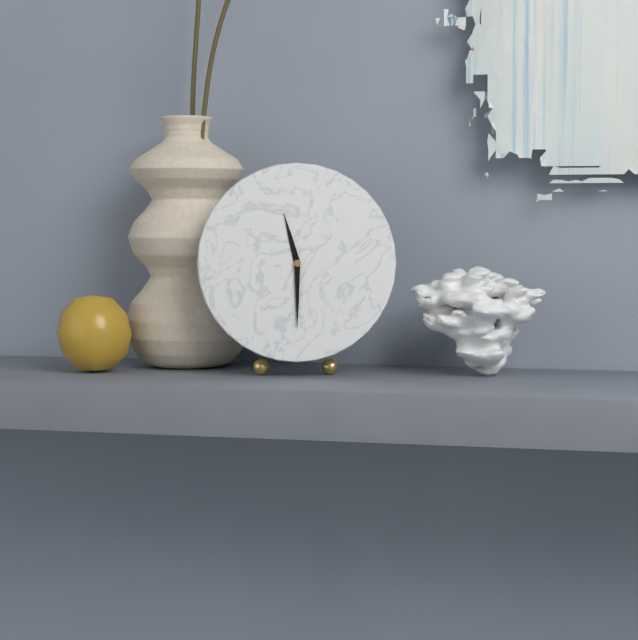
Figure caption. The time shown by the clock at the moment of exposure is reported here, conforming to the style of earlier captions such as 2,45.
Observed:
11,30
